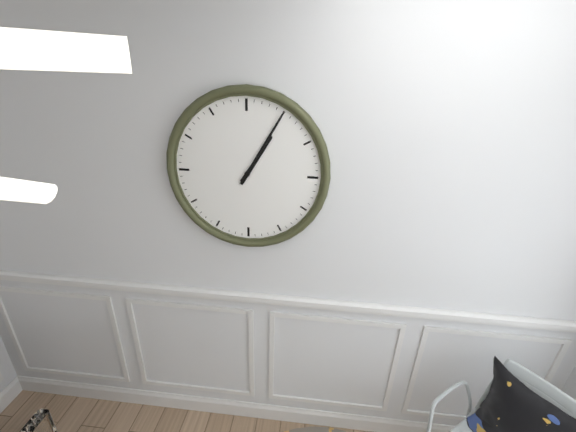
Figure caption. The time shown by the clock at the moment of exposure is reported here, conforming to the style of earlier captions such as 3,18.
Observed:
1,05
